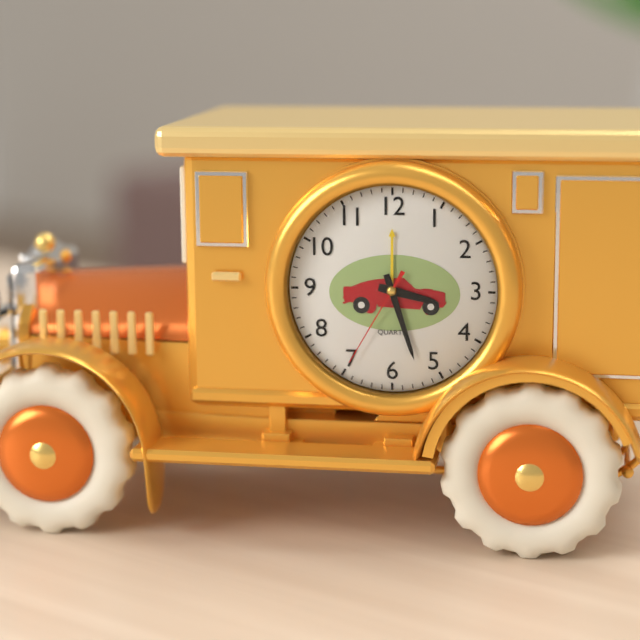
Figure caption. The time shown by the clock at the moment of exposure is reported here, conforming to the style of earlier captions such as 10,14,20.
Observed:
3,27,35
